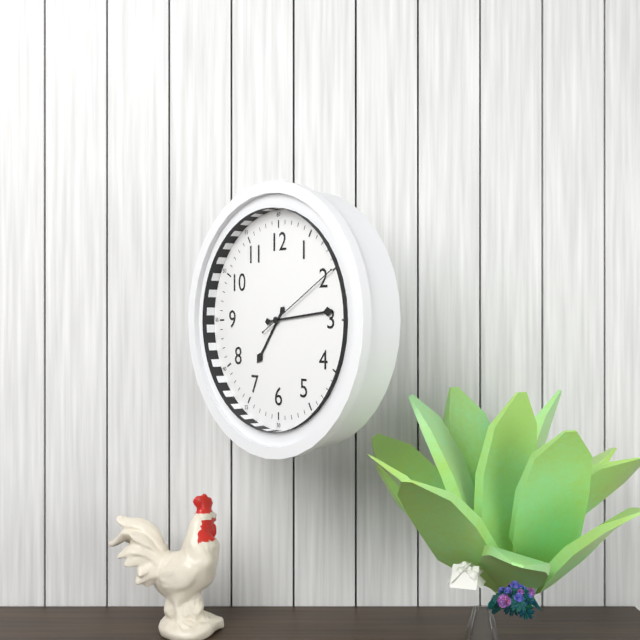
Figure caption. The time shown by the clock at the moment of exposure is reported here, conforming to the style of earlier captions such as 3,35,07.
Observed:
7,14,10
